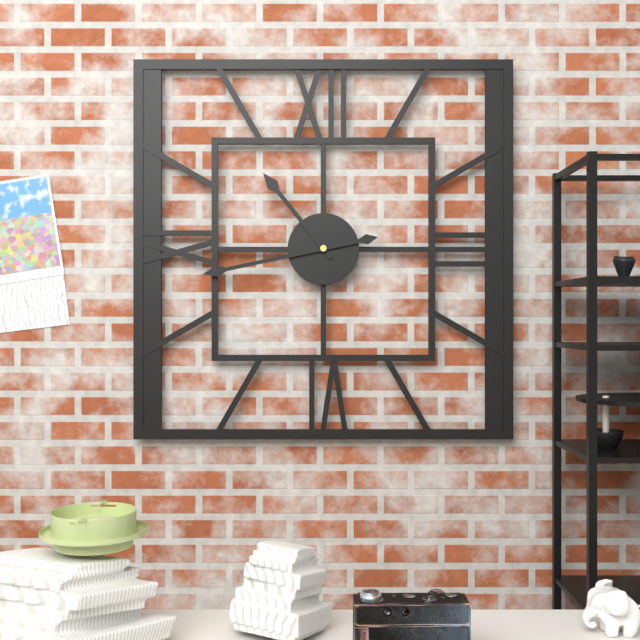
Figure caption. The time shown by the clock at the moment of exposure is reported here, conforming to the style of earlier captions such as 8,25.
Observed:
10,43
